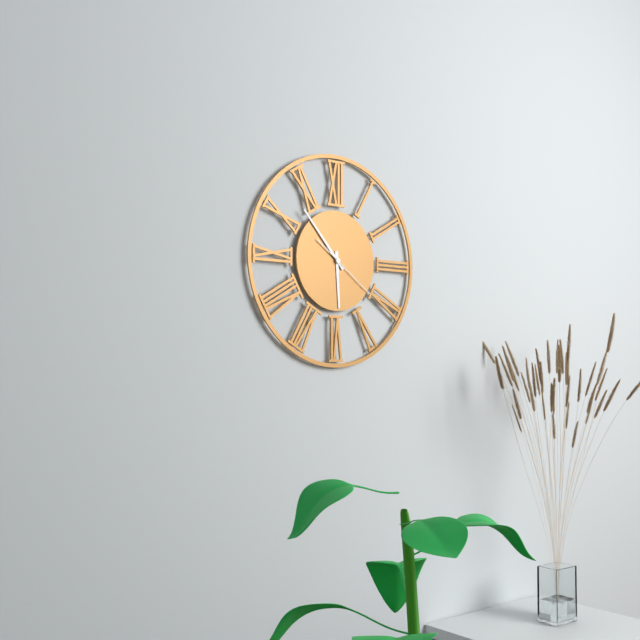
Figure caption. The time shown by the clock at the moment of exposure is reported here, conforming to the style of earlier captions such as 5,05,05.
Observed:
5,53,21
